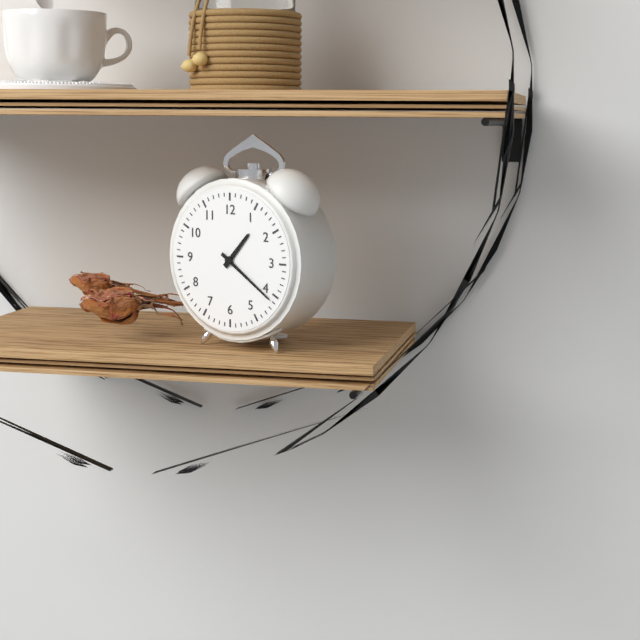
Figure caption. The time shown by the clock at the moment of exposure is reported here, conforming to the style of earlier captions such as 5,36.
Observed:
1,21
